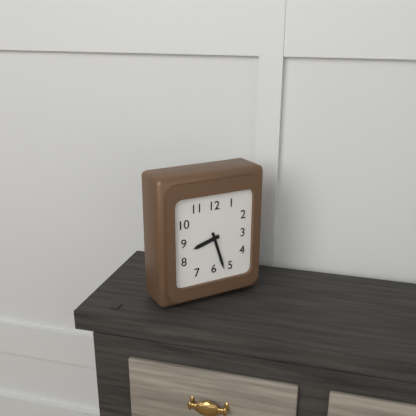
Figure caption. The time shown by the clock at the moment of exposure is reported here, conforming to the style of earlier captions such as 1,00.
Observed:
8,27
